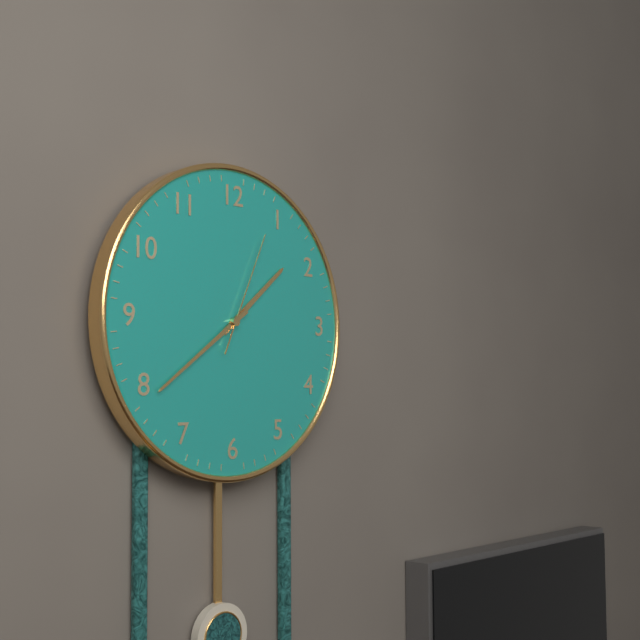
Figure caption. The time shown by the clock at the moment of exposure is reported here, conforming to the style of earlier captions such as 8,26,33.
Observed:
1,39,04
